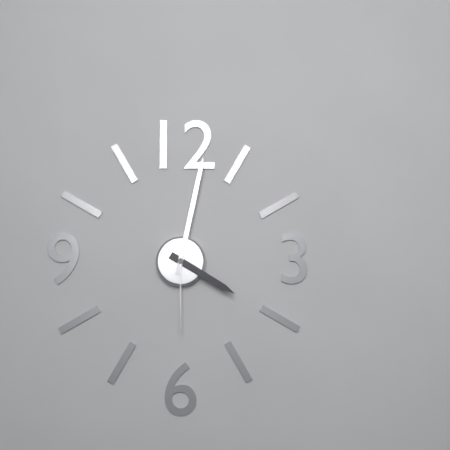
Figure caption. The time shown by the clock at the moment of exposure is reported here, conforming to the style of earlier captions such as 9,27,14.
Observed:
4,02,30
